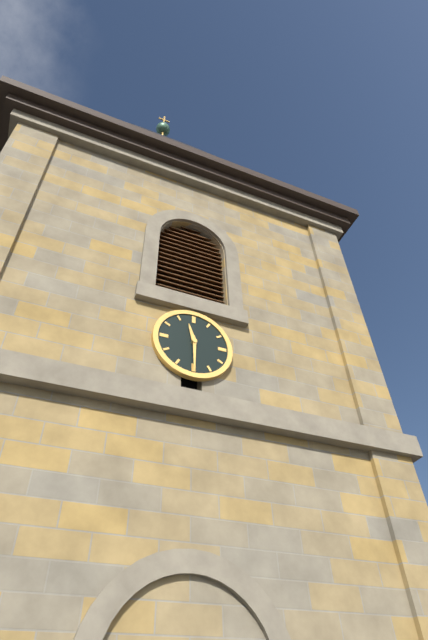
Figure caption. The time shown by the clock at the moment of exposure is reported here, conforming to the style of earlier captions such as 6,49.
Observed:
11,30
